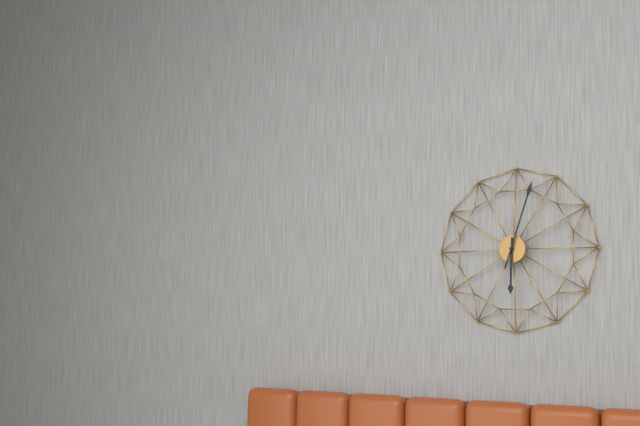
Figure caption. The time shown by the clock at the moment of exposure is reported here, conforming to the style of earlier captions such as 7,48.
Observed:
6,03
